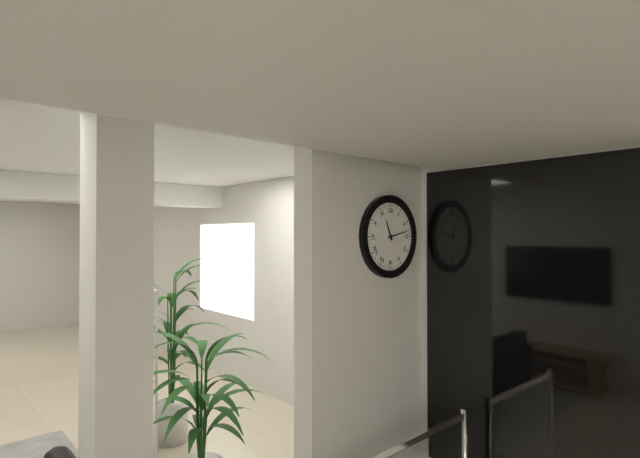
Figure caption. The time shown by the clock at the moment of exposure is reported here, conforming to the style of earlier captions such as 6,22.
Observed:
11,13
